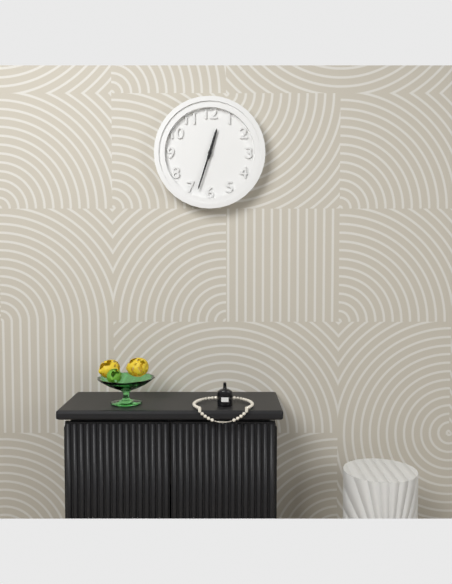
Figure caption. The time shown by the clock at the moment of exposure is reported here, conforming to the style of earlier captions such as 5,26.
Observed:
12,33
